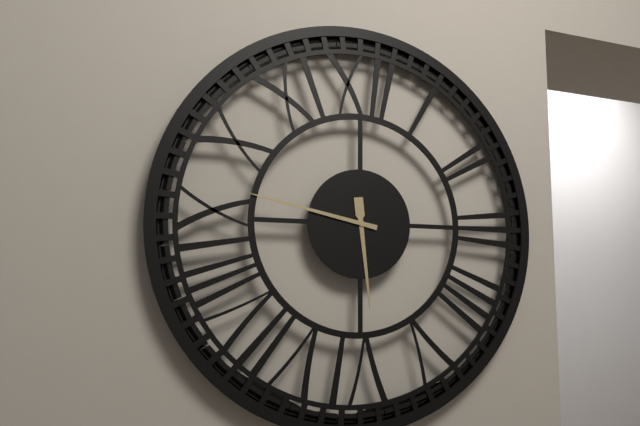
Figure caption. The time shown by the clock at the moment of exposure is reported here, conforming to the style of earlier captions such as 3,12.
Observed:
5,47
